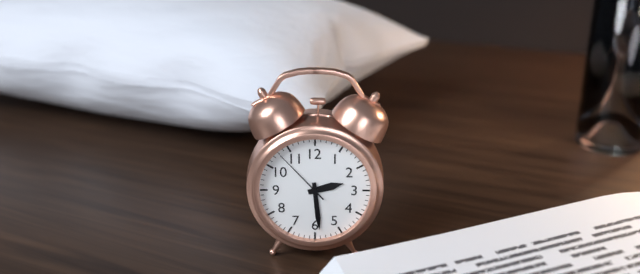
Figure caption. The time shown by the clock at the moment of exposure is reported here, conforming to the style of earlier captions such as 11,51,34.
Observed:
2,29,53
